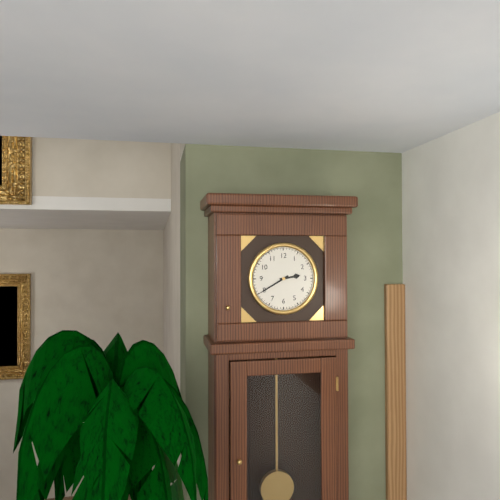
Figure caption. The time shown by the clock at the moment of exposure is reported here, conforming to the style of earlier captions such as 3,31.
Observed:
2,40
